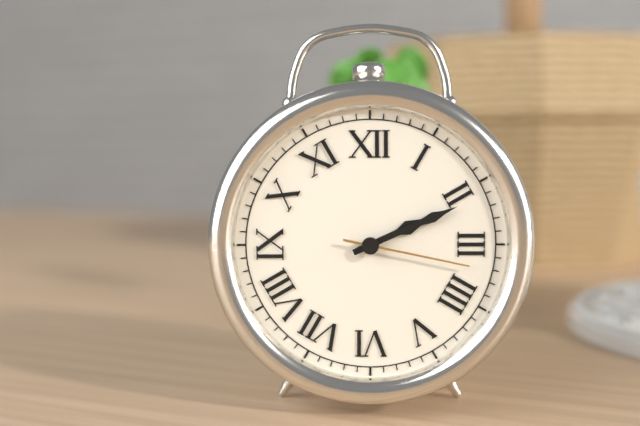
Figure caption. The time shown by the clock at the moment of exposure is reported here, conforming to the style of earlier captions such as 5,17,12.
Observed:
2,11,17
